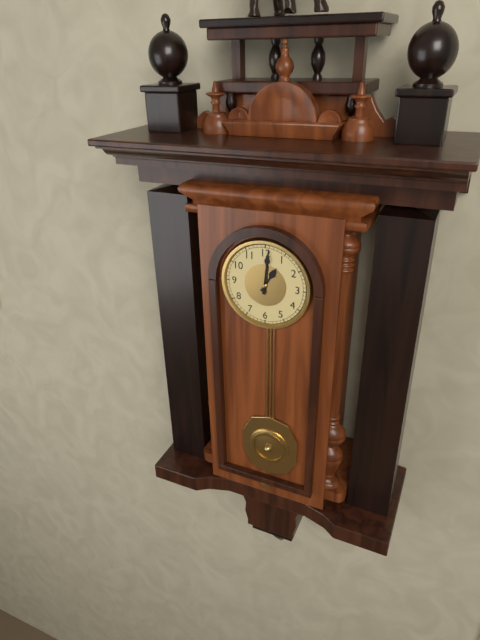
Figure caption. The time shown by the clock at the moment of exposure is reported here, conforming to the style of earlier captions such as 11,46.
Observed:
1,01
